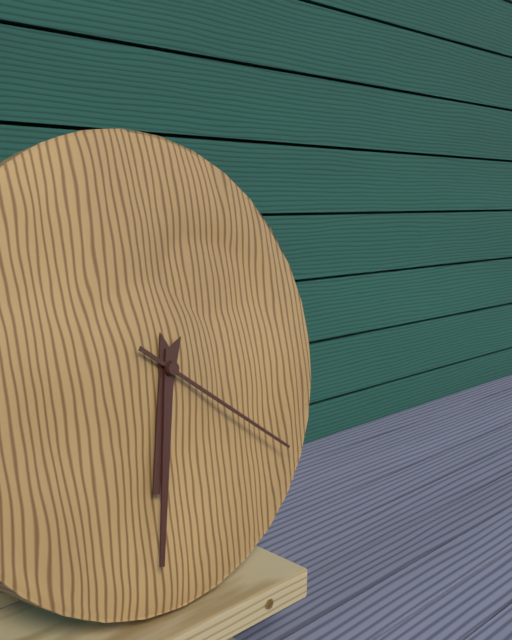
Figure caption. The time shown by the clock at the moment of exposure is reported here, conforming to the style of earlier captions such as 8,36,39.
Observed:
6,32,21
